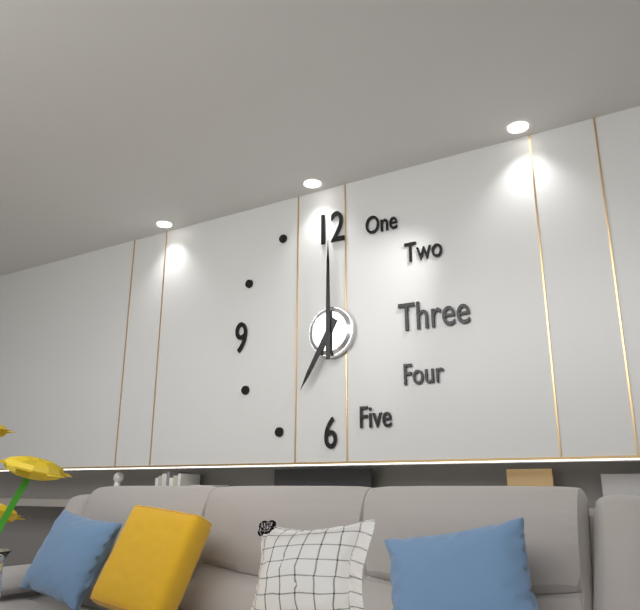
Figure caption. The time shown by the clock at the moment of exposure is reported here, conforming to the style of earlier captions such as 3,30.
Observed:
7,00
